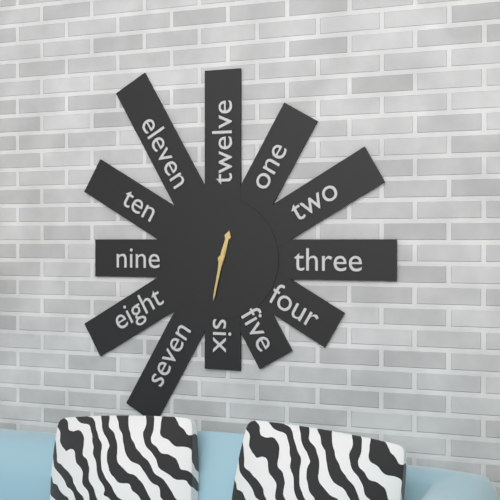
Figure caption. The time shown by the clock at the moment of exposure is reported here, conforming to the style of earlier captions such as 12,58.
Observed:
12,32
